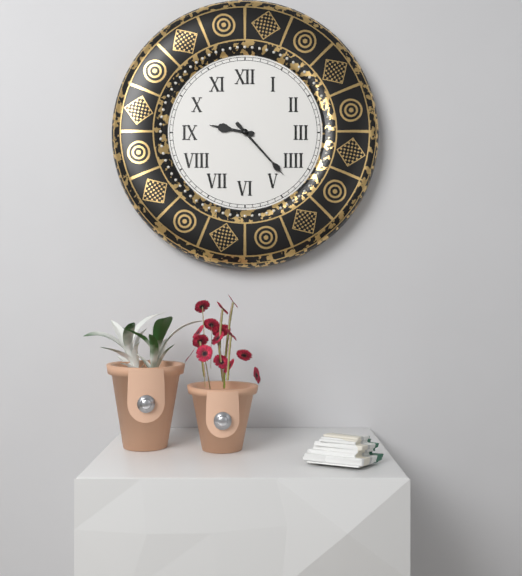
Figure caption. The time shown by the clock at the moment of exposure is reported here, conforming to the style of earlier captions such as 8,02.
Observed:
9,23
